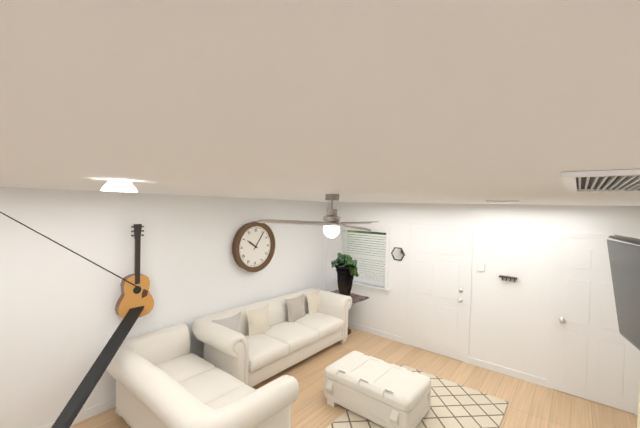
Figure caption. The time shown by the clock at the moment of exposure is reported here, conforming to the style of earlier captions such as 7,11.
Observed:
10,06
